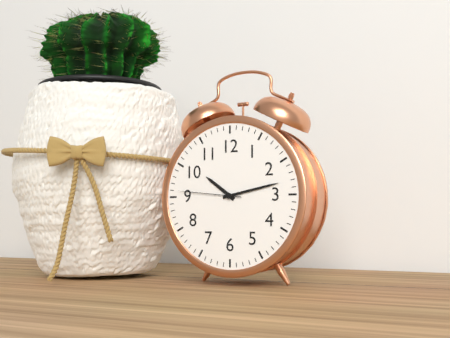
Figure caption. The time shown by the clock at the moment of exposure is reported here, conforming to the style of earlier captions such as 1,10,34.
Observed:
10,13,46
